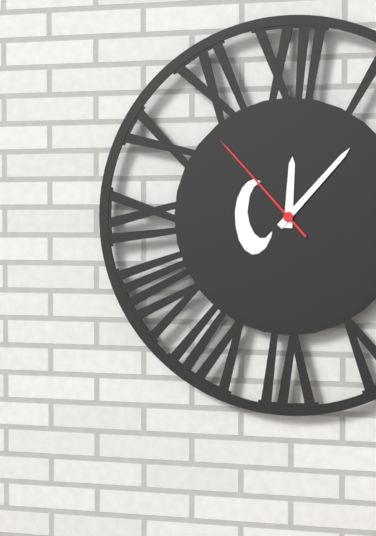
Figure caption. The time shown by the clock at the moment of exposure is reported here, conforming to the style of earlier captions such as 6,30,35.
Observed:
12,07,53
